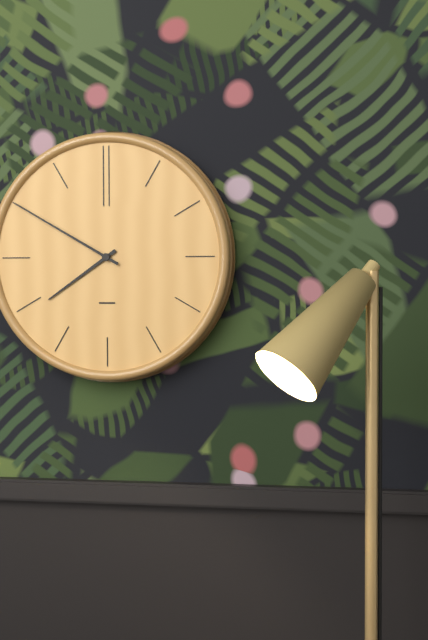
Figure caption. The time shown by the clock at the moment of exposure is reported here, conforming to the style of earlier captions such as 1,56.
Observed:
7,50
